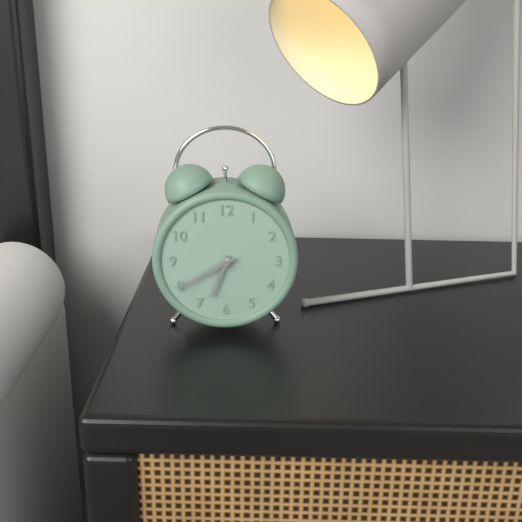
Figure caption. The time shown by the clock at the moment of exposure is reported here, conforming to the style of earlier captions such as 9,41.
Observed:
6,40
